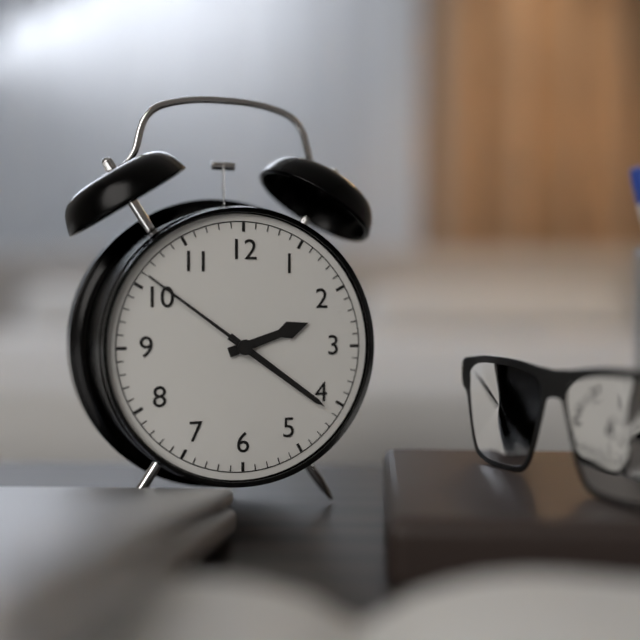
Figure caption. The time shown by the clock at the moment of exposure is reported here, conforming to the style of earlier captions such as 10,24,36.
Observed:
2,21,51
